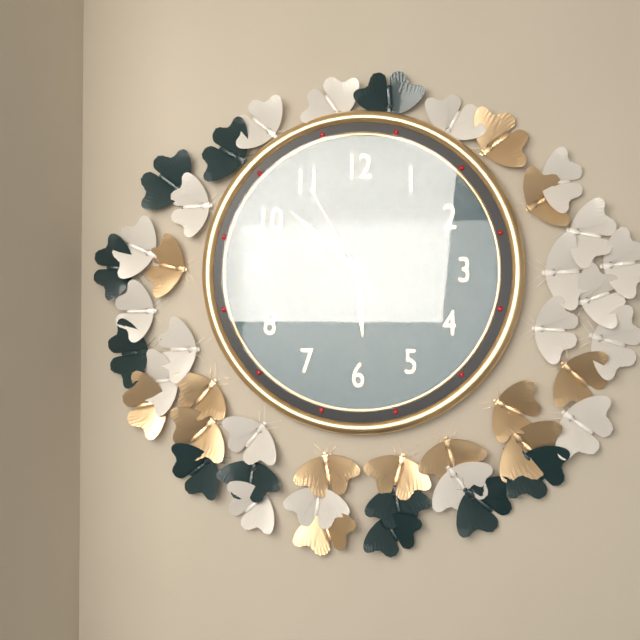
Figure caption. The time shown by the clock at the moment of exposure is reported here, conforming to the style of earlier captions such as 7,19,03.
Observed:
5,52,55
